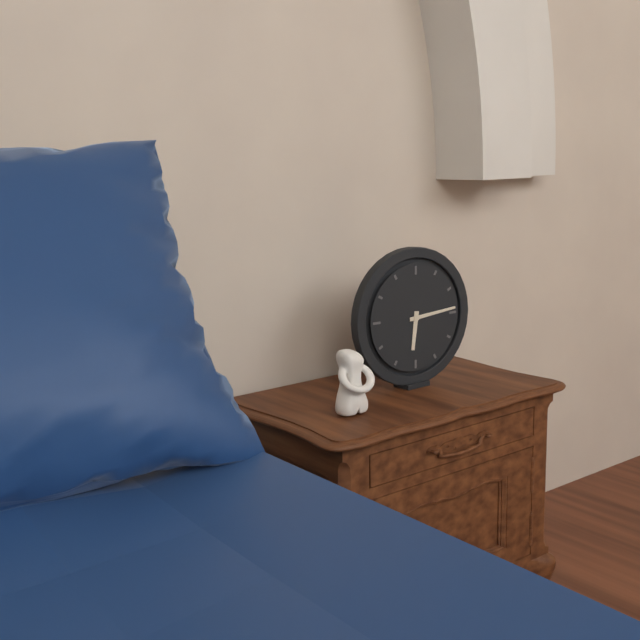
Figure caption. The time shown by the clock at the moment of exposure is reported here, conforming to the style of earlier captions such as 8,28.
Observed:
6,14
